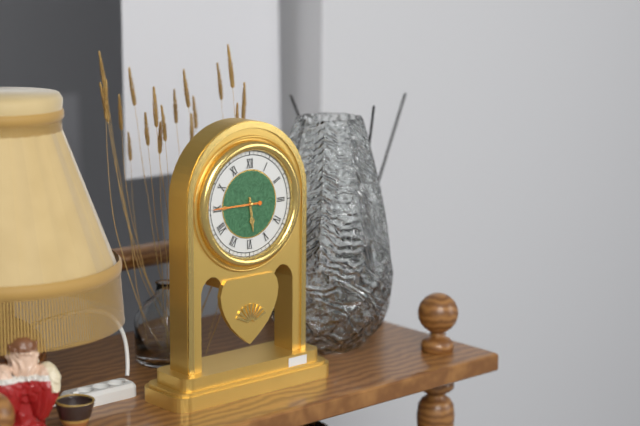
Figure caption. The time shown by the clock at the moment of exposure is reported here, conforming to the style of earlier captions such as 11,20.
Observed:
5,45
